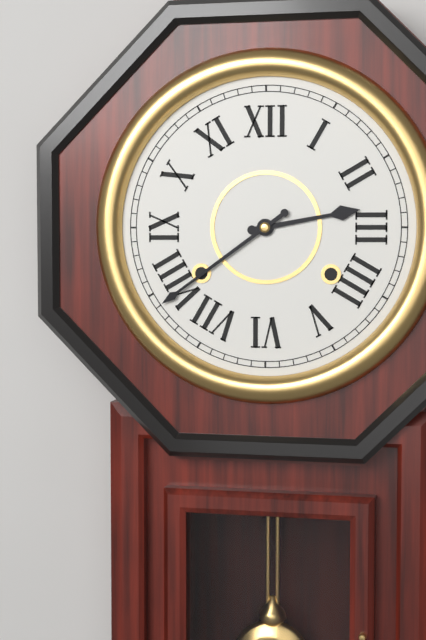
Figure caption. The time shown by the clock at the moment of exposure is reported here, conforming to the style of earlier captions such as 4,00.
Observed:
2,39
